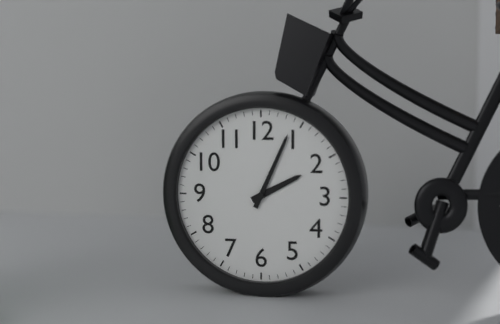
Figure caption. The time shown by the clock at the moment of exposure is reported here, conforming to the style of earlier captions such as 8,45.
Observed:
2,04
